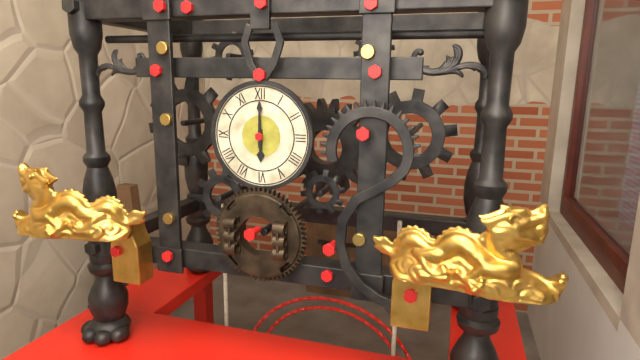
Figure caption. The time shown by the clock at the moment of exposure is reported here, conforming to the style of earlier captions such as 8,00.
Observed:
6,00
